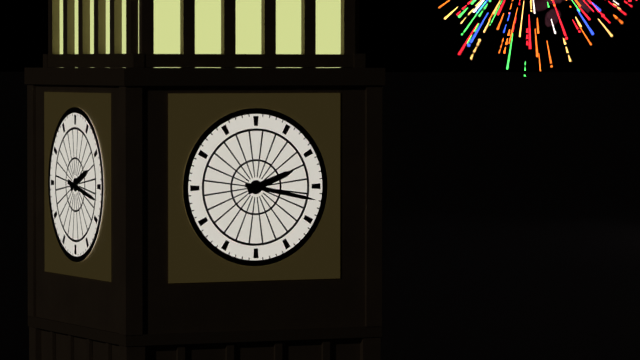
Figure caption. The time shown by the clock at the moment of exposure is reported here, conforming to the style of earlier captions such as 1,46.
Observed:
2,17
